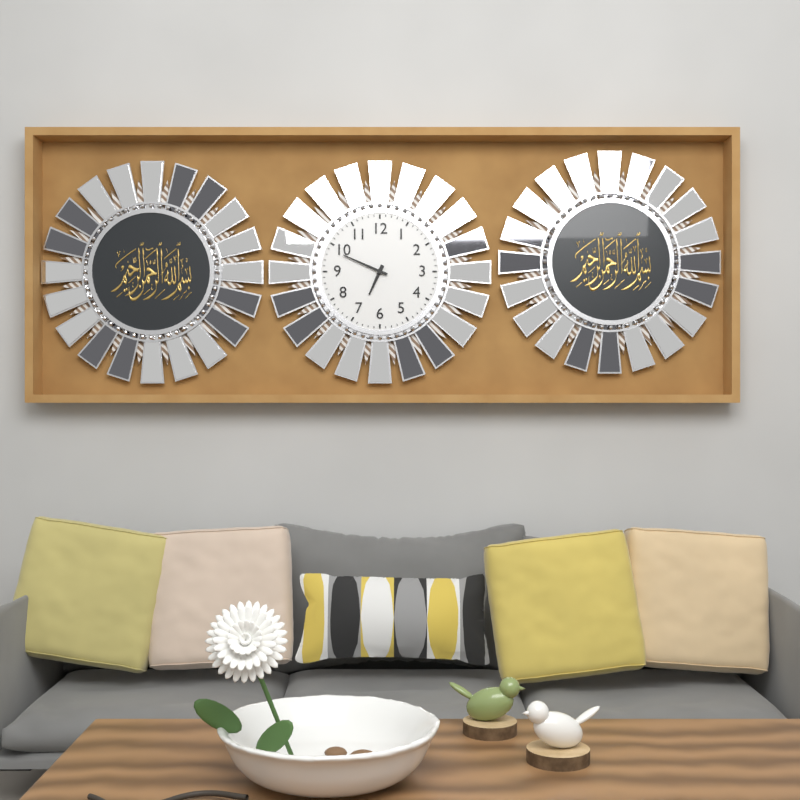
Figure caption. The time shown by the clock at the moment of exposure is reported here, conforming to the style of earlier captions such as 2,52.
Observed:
6,49
